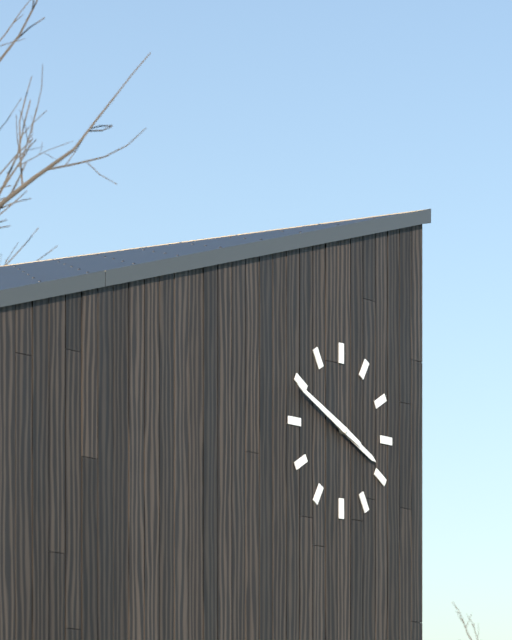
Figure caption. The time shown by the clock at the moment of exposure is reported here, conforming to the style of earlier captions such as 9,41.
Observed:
3,49
